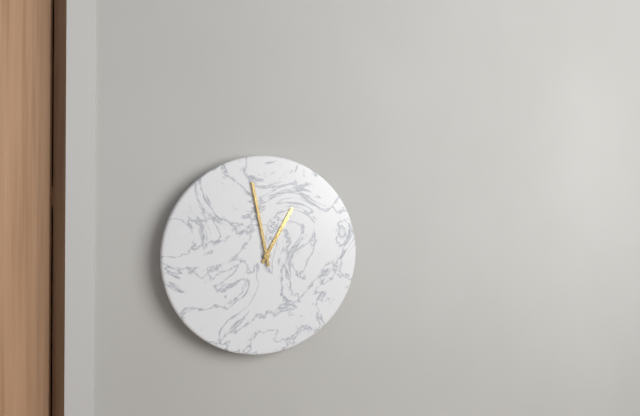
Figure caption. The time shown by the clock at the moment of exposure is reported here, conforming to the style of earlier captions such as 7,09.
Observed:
12,58
